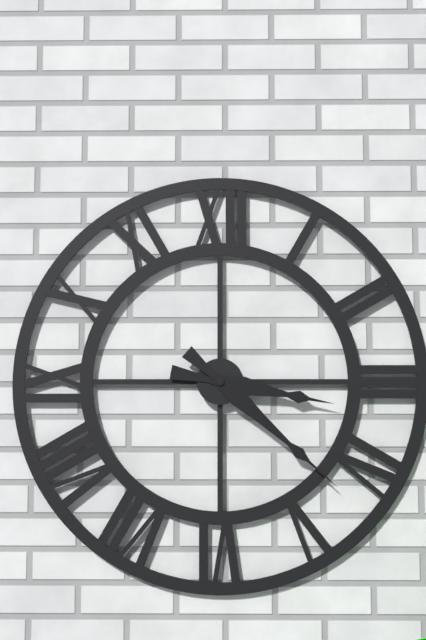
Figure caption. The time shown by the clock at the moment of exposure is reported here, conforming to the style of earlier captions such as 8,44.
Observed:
3,22
